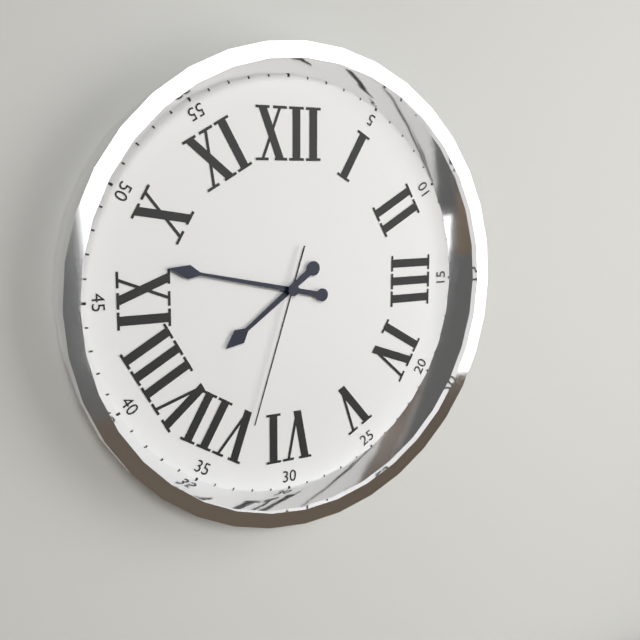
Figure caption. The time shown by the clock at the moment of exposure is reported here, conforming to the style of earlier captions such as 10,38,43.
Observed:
7,47,33
